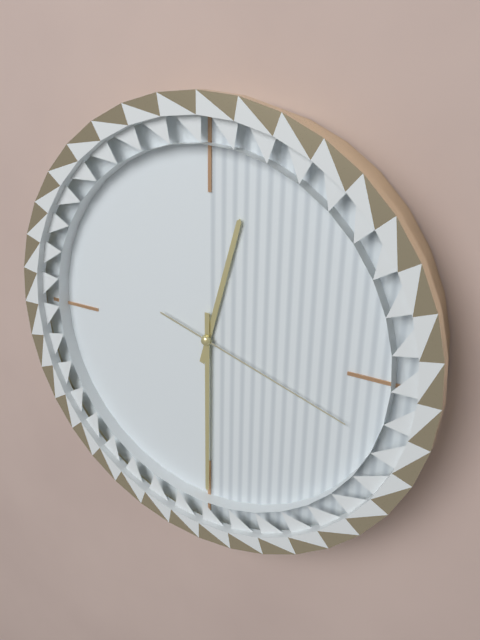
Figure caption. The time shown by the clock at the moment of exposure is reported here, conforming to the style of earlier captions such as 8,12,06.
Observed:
12,30,18
